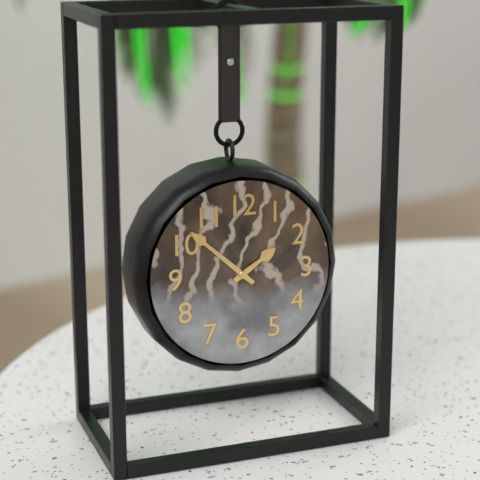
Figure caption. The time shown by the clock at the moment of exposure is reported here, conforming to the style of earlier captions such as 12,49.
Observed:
1,52
